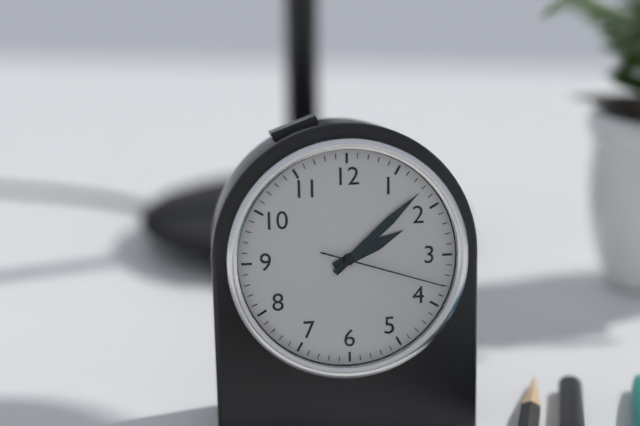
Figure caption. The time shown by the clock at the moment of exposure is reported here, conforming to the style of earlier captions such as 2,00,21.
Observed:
2,08,18
